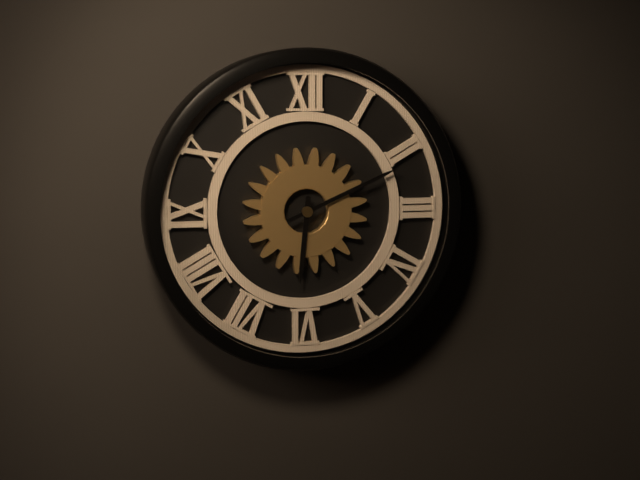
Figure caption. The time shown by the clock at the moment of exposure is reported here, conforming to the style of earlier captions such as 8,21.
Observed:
6,11
